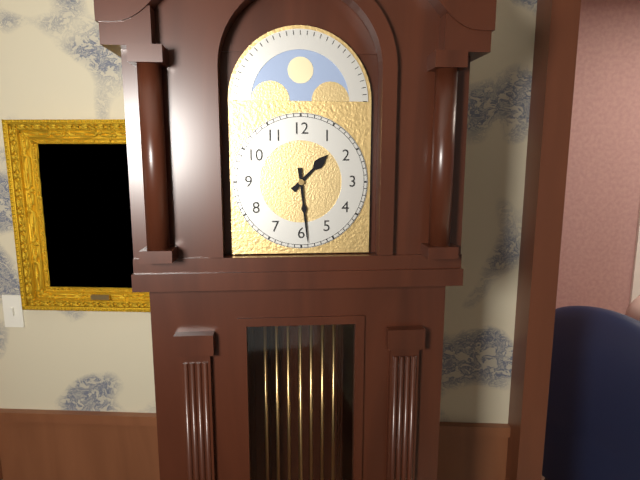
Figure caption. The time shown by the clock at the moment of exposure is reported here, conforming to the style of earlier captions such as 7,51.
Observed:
1,29
